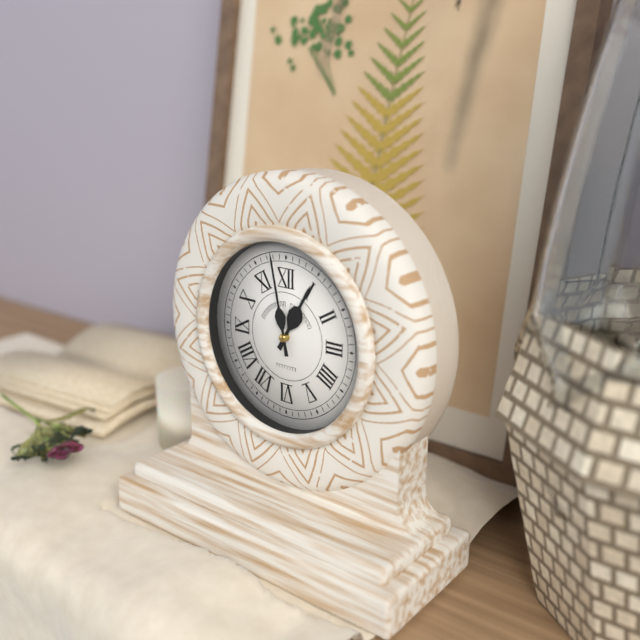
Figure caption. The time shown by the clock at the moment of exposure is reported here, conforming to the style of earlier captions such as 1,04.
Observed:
12,58
